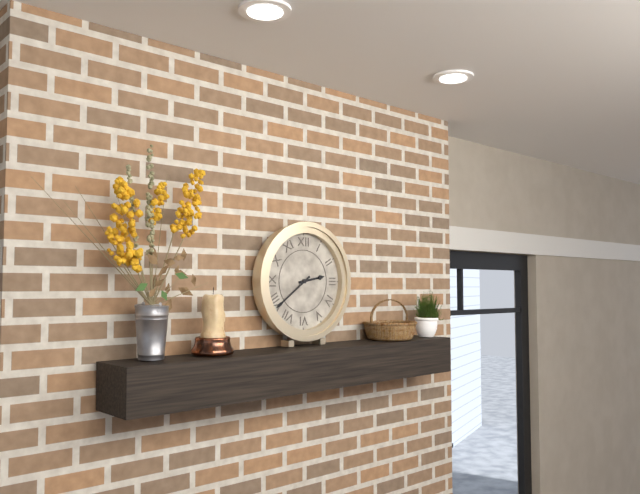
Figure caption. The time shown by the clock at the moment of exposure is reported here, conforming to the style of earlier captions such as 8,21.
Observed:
2,39
